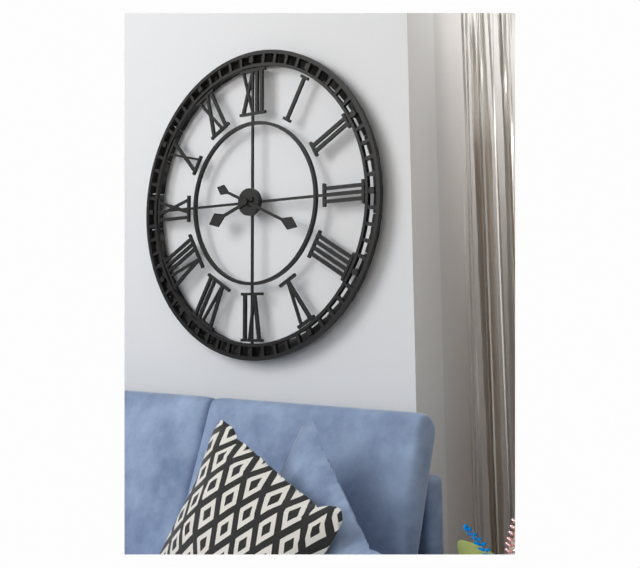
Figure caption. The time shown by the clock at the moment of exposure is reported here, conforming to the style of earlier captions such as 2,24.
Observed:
8,19
